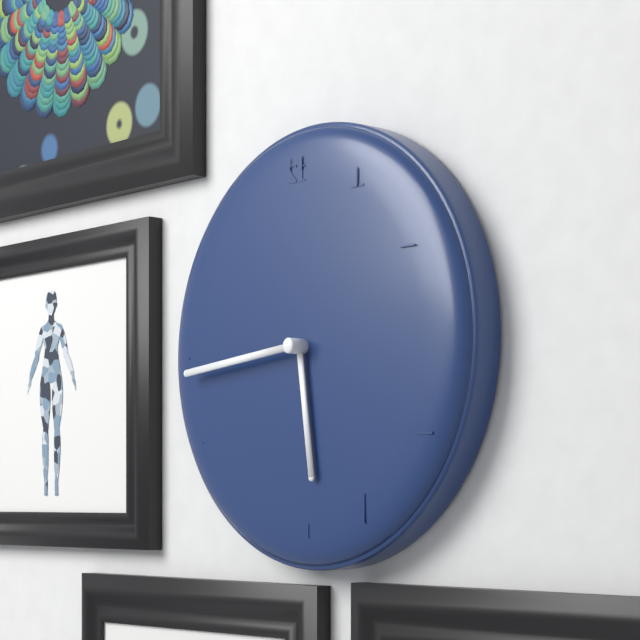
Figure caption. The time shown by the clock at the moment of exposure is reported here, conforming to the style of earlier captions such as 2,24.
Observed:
5,44
